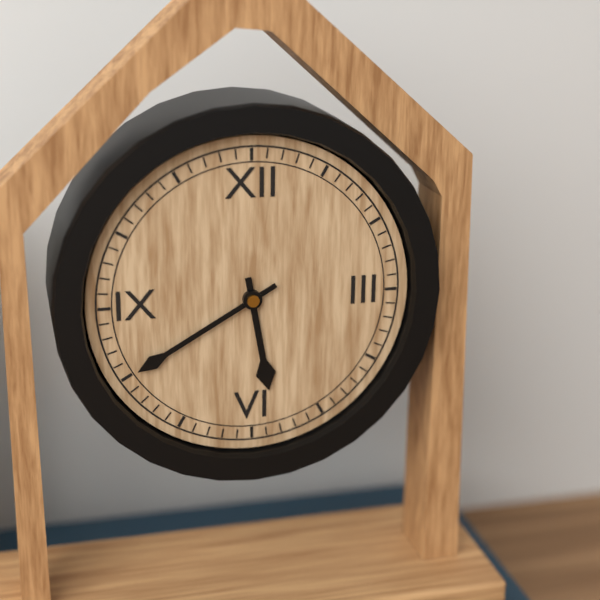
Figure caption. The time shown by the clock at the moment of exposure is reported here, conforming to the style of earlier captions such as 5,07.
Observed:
5,40
